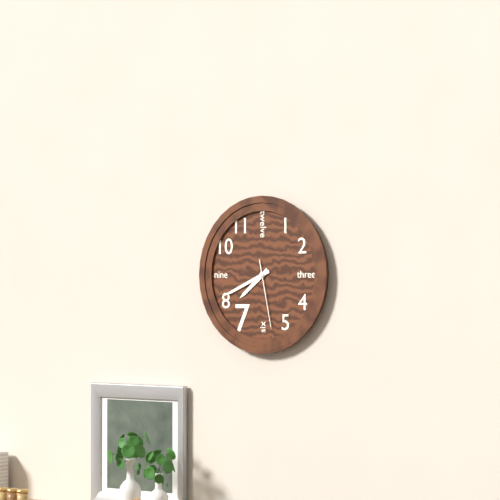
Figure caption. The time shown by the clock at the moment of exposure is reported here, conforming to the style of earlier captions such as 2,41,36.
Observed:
7,41,28
